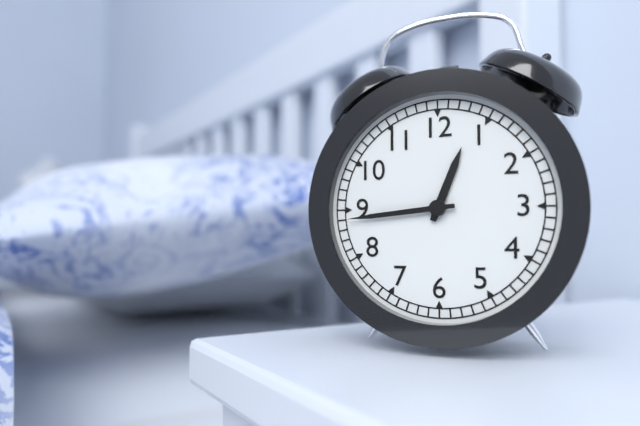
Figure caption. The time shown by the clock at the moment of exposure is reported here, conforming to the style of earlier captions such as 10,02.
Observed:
12,44
